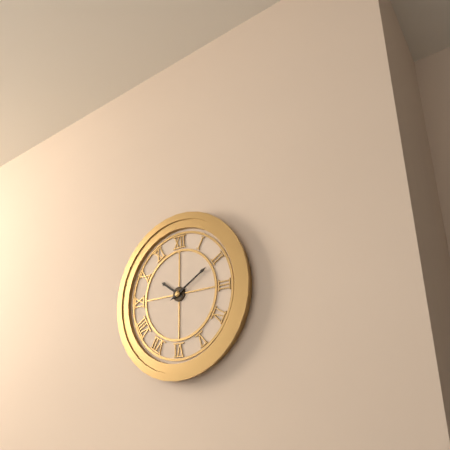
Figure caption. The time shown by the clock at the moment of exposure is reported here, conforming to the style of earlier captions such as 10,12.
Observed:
10,10
